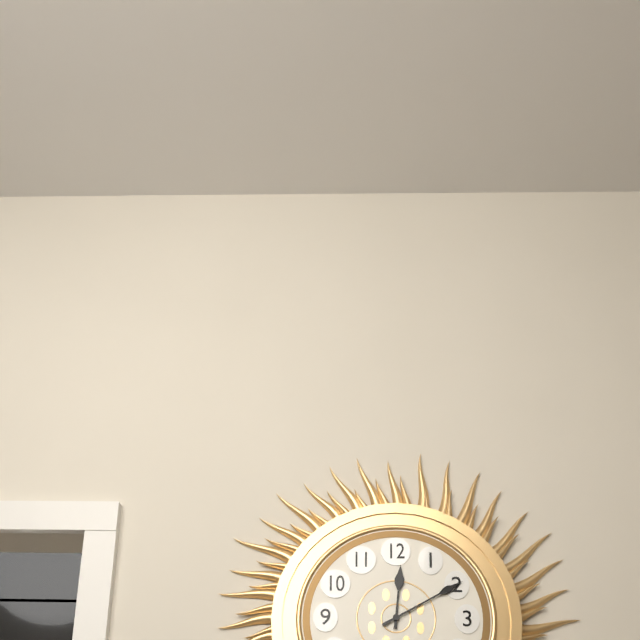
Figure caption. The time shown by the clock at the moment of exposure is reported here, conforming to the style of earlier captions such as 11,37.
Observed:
12,10
